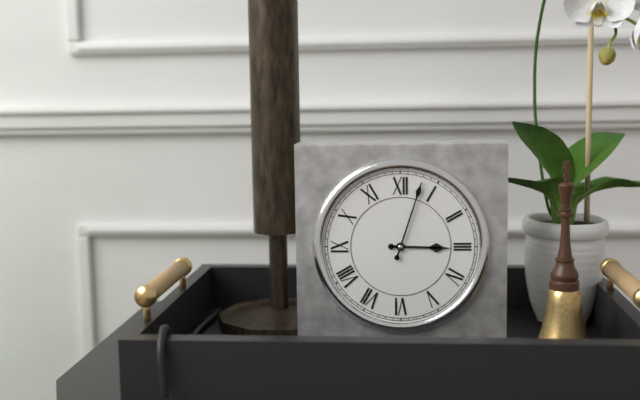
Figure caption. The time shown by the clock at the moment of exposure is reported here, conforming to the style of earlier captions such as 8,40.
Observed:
3,03
